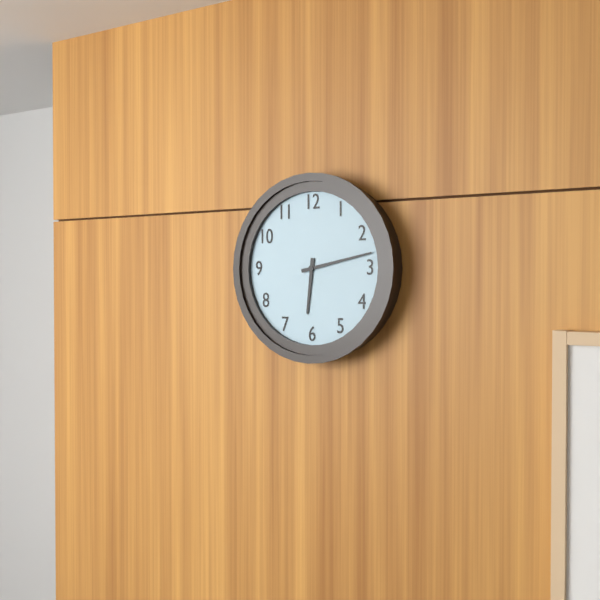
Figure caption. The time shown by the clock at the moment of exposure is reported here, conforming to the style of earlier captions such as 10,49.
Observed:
6,13
